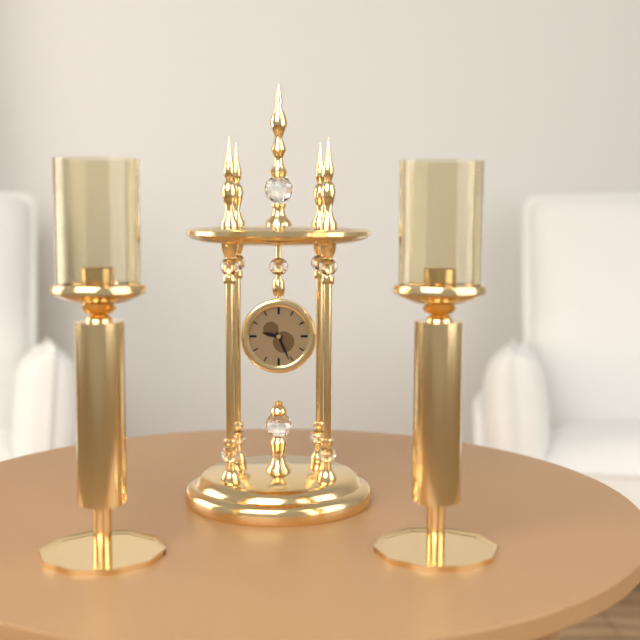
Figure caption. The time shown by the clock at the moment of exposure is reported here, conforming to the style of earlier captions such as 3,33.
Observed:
9,26
